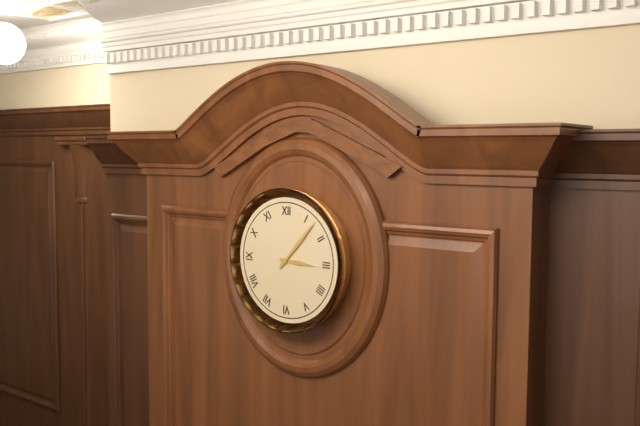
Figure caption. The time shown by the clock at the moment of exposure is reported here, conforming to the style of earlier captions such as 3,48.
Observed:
3,07
